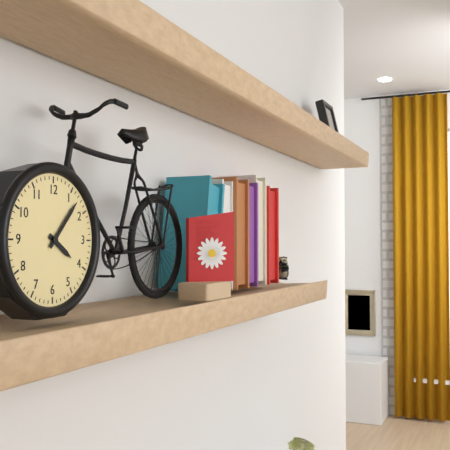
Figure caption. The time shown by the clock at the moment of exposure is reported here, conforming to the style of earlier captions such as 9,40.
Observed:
4,07
